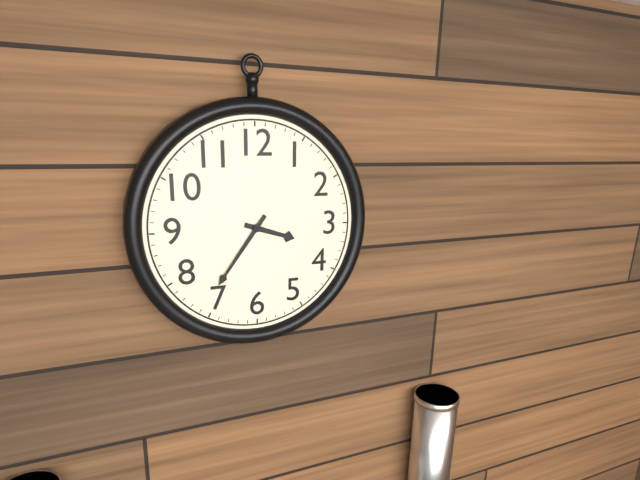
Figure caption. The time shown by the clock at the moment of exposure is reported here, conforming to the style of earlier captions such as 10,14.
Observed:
3,36
